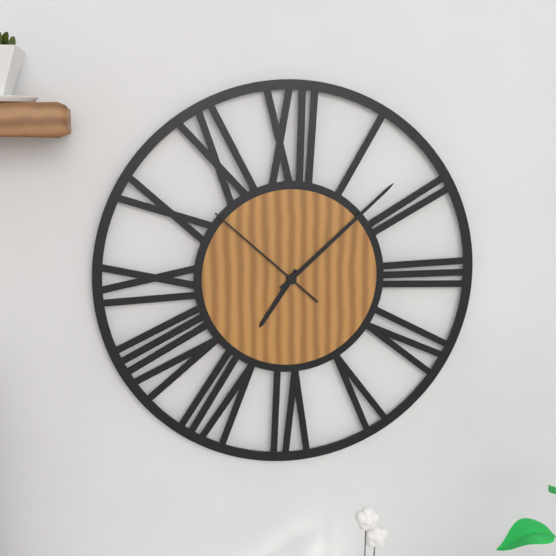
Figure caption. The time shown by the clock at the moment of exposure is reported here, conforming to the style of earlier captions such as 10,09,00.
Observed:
7,08,52
